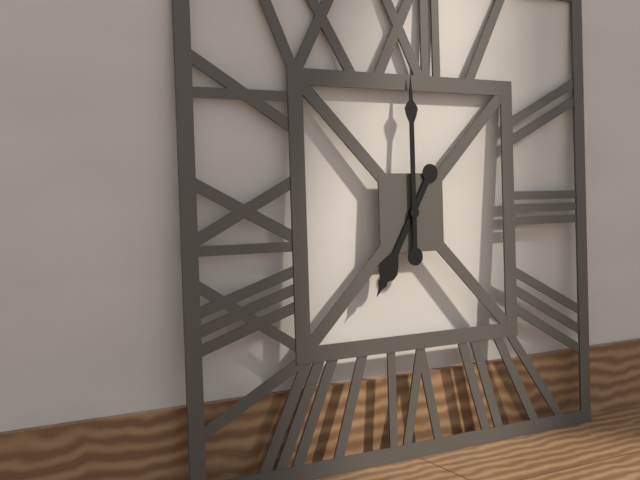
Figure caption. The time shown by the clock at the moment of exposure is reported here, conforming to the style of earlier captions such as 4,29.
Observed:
7,00
